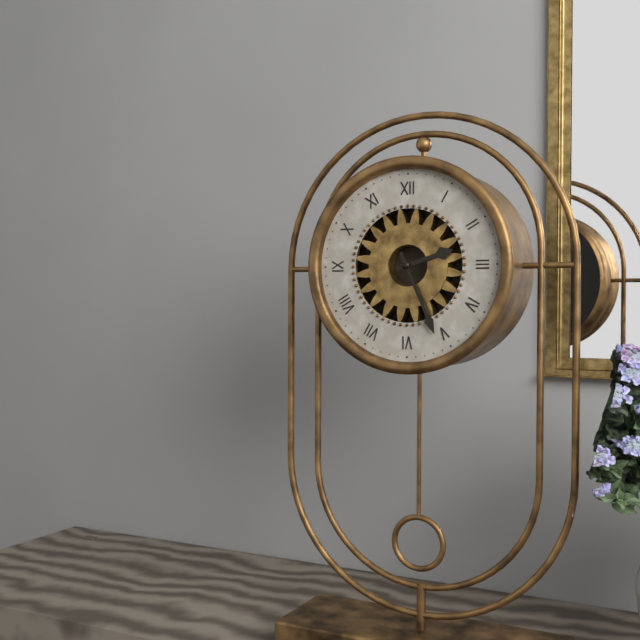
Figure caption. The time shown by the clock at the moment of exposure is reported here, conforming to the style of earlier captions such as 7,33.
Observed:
2,26
